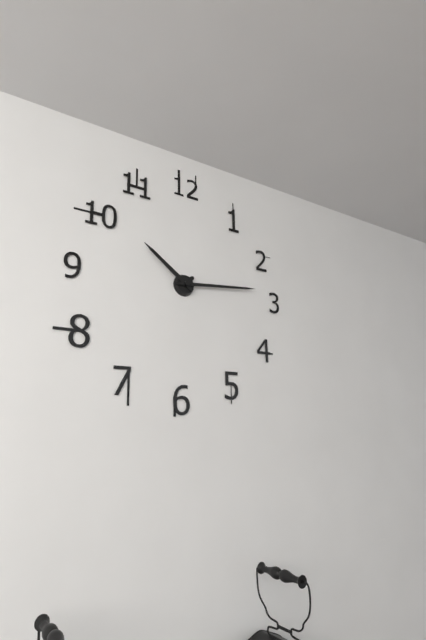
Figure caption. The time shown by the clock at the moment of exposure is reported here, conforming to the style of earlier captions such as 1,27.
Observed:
10,14
